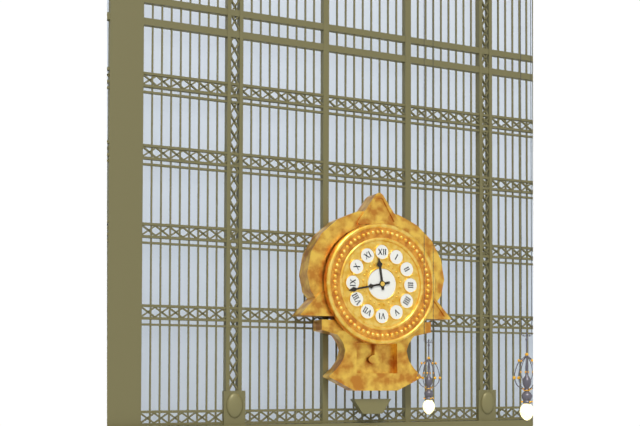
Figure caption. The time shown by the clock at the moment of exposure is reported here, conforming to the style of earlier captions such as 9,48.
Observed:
11,43
